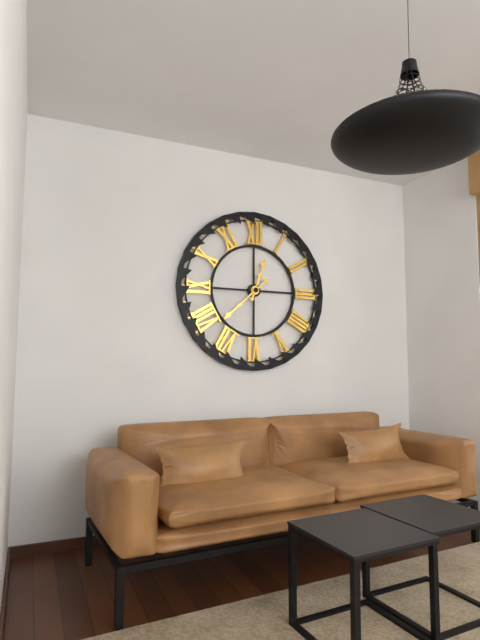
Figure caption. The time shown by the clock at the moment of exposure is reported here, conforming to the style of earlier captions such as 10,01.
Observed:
12,38
